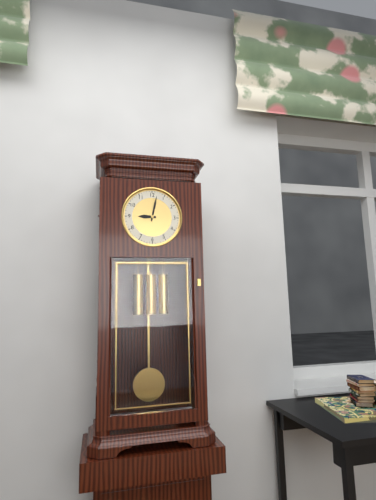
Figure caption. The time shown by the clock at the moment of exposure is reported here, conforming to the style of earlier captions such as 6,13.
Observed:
9,02
